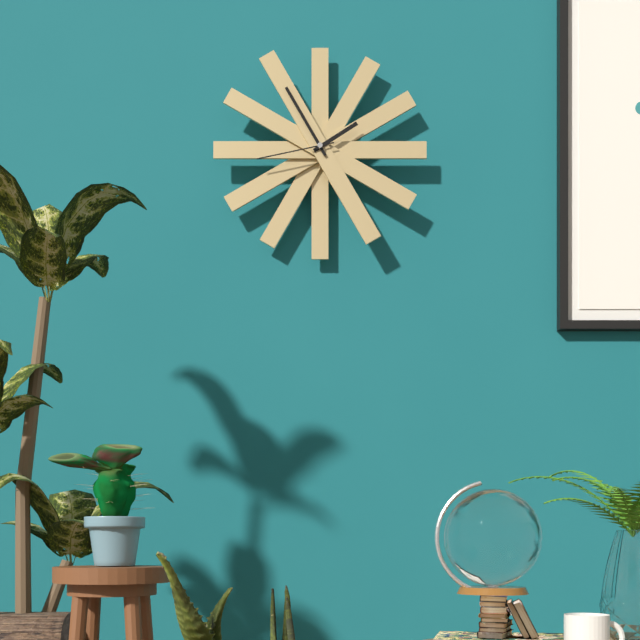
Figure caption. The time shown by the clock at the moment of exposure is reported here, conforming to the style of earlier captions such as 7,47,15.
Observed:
1,55,43
